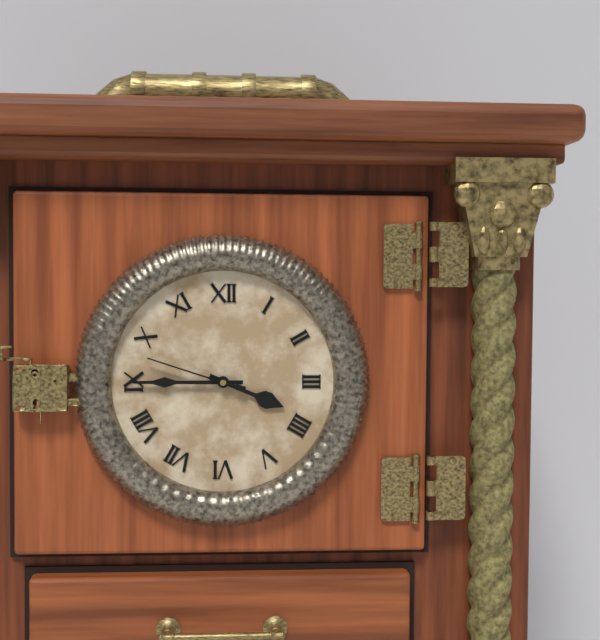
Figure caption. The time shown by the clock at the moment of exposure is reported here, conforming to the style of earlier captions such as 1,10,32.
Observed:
3,45,48
